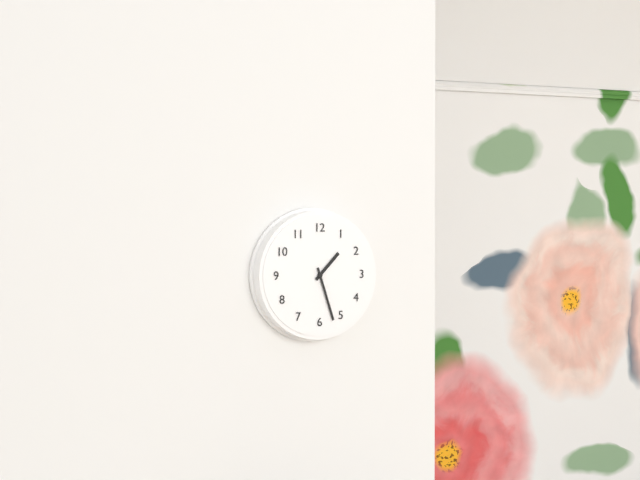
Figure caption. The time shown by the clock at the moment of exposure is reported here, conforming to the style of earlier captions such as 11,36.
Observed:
1,27
